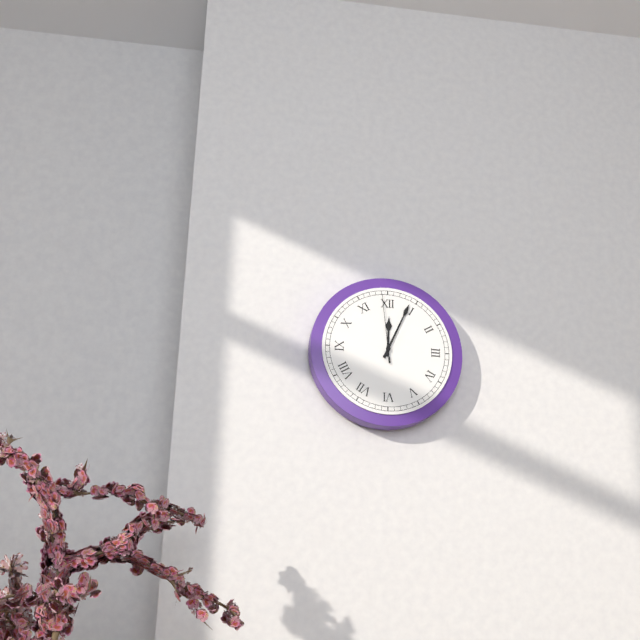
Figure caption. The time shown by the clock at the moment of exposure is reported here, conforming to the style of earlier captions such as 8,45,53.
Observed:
12,04,59
